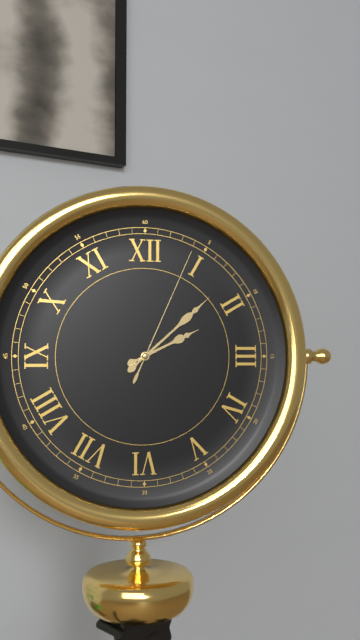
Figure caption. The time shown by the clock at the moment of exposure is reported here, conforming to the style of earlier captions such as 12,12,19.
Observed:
2,08,04
